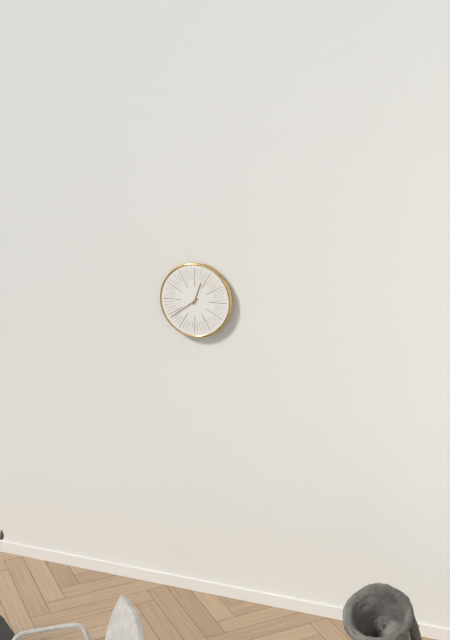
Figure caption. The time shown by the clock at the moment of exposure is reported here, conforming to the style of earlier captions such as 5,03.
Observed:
12,39
